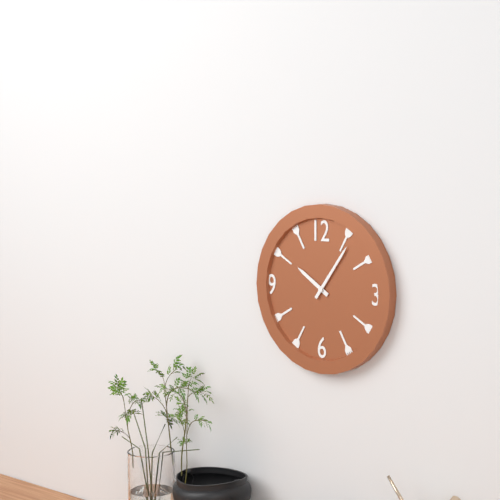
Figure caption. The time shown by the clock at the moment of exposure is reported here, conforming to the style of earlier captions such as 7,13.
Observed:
10,06
